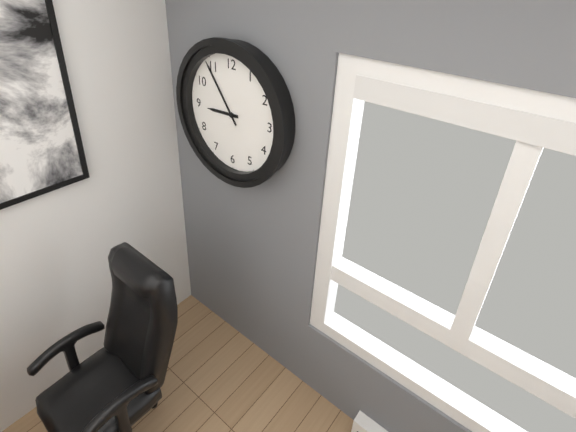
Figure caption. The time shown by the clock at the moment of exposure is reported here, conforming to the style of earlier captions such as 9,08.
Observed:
8,54
